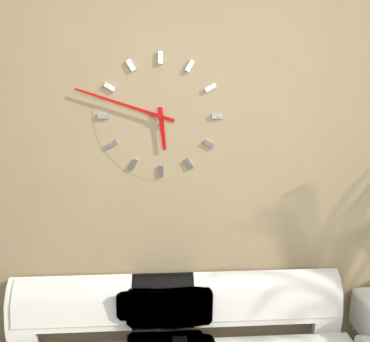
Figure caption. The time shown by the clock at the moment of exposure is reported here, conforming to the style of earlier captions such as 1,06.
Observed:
5,48
